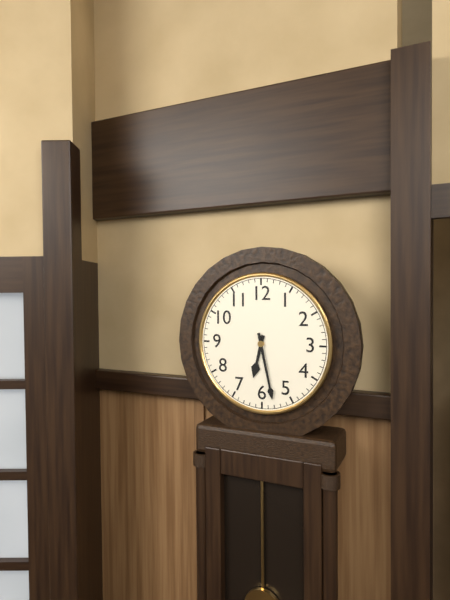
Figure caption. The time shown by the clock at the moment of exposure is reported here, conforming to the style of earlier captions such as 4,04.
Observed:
6,28
